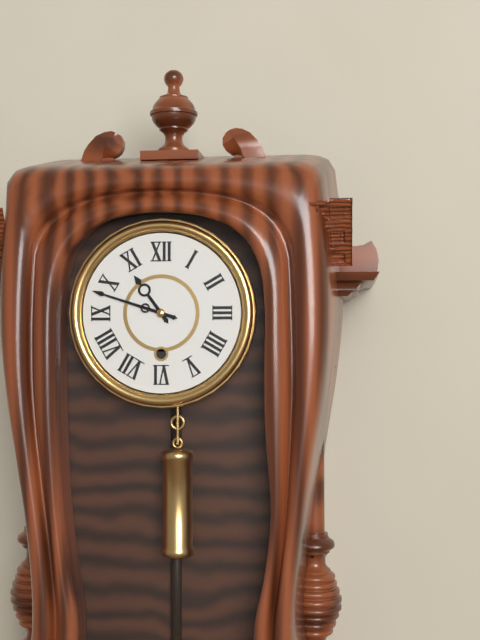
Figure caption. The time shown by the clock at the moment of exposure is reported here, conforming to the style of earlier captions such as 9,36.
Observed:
10,48
